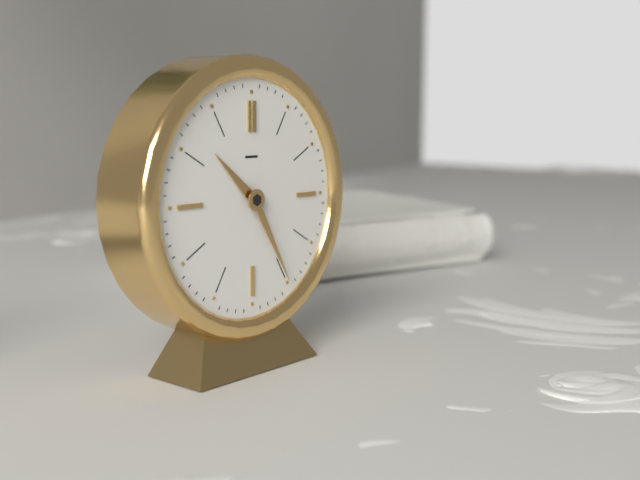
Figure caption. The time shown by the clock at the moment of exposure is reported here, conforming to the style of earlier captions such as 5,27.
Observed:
10,25
